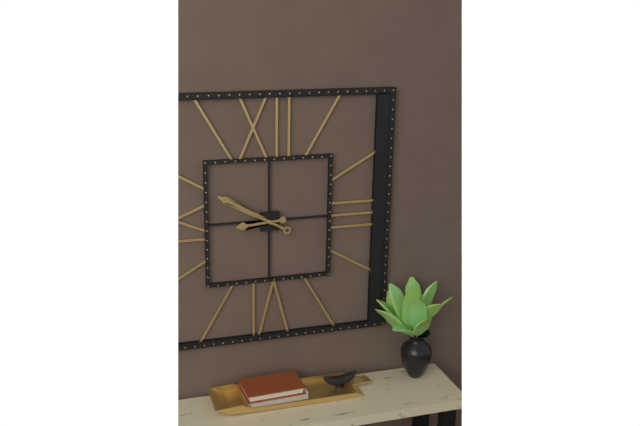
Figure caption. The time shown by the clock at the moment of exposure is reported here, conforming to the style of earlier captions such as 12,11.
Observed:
8,50
